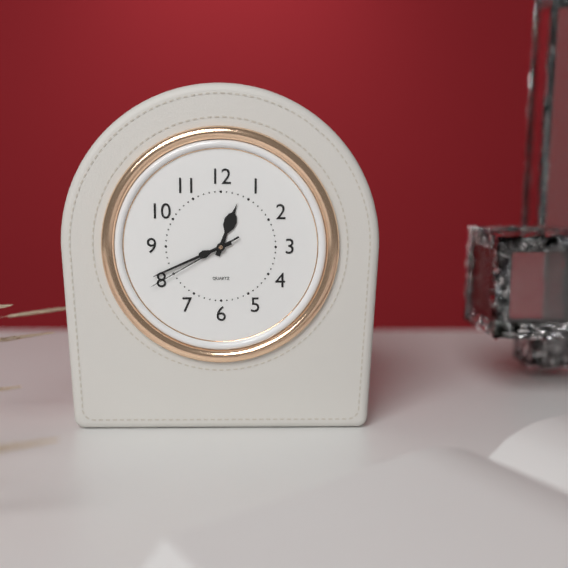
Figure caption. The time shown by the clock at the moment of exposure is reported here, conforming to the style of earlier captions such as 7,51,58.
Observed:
12,41,40
